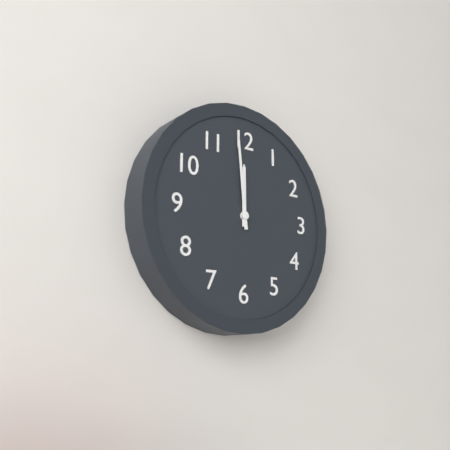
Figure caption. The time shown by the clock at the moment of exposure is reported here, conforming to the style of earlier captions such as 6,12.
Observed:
11,59
